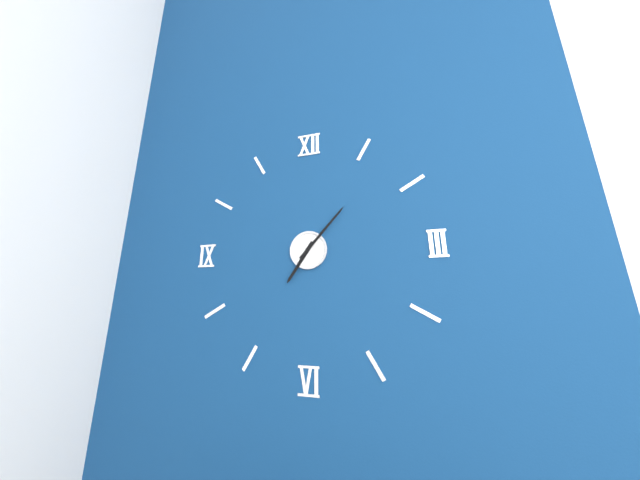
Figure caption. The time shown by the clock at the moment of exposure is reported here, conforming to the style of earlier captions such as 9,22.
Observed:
7,07
